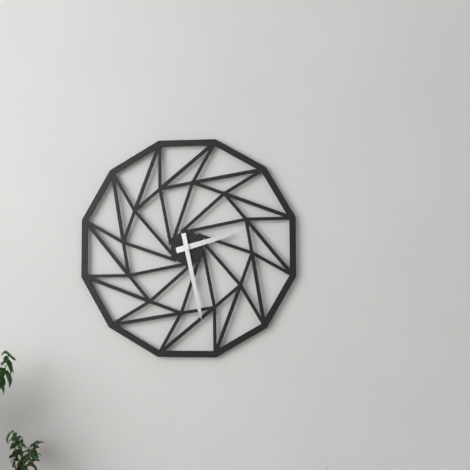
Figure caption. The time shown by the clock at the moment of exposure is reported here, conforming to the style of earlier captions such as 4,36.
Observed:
2,28
